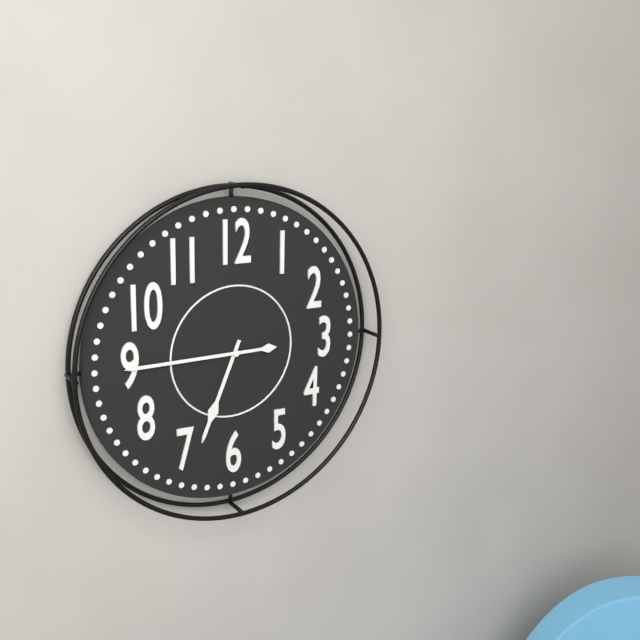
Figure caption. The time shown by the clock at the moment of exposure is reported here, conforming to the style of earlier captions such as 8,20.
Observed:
6,45
